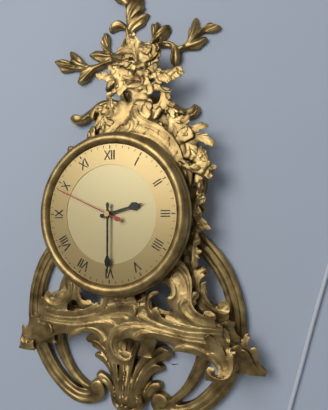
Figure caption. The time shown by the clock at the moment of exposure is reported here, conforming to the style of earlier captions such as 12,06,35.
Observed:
2,30,49
